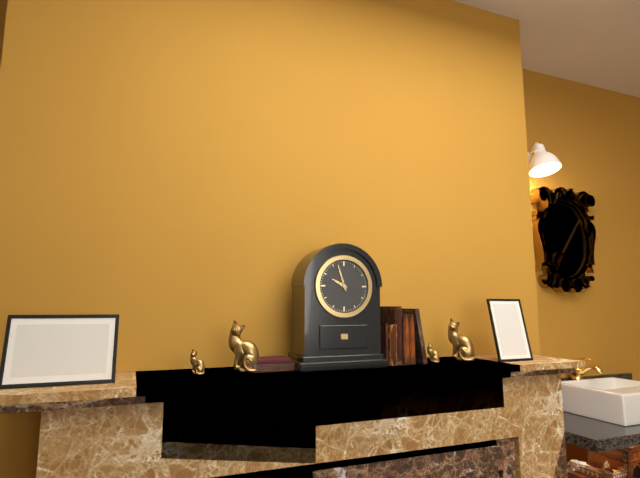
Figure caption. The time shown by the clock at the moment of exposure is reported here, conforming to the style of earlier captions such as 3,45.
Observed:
9,57
